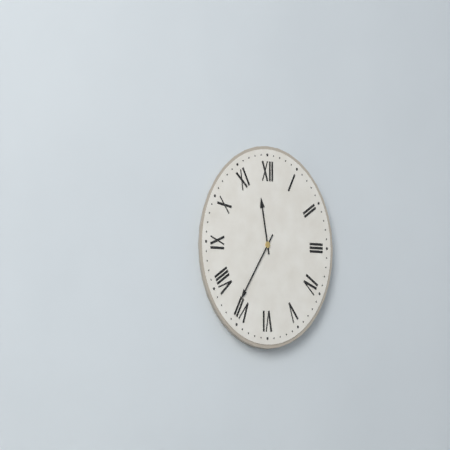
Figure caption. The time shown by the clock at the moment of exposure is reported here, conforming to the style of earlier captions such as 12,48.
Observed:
11,36
